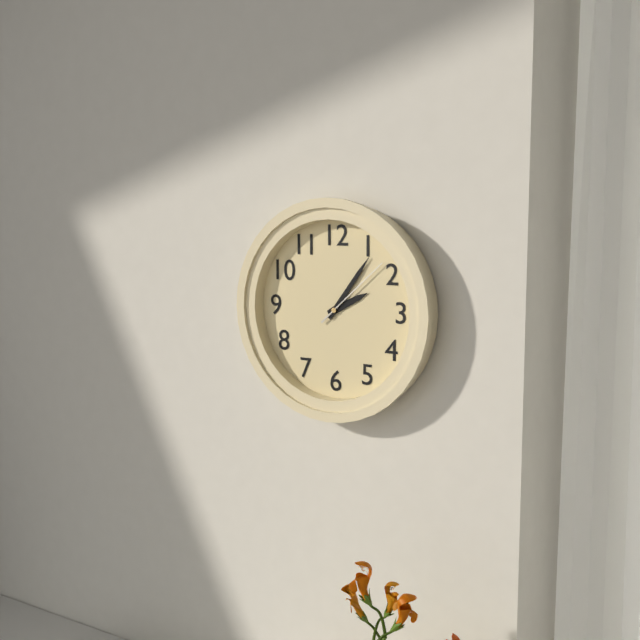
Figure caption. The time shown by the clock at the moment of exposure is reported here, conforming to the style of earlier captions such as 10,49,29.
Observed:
2,06,08
